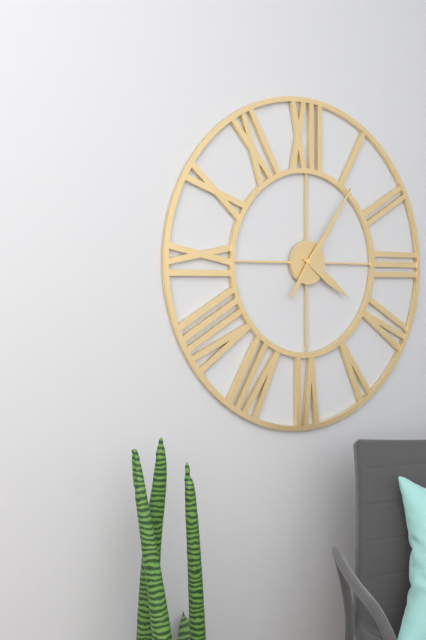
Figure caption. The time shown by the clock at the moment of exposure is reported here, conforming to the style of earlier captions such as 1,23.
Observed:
4,06
